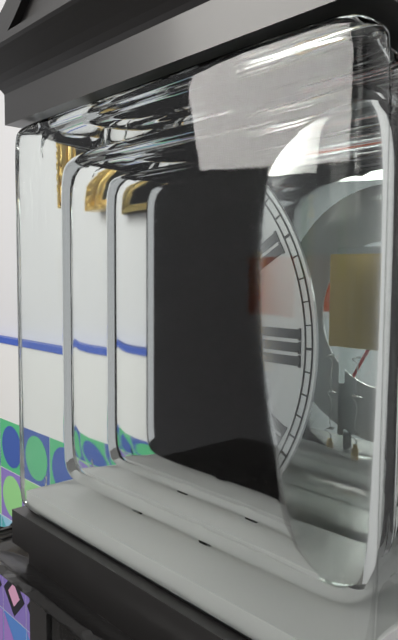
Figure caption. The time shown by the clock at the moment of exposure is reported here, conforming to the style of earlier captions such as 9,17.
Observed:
1,35
